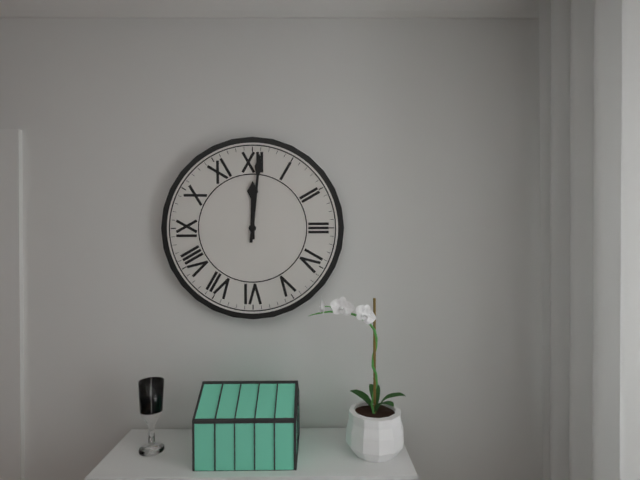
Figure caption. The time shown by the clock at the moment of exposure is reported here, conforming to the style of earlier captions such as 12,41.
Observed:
12,01
